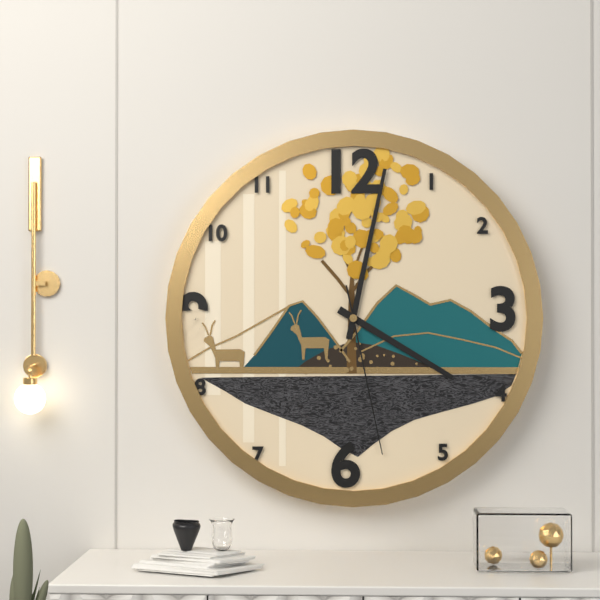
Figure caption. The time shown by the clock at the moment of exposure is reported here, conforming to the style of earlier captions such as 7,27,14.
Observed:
4,02,28
